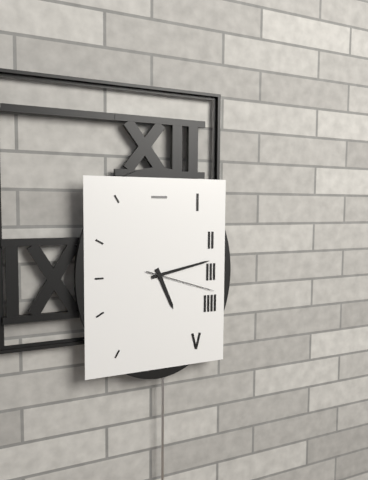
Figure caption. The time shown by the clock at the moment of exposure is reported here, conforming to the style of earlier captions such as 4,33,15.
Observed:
5,13,18
